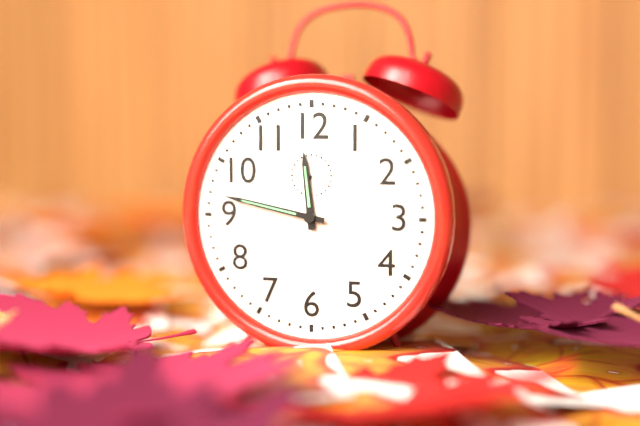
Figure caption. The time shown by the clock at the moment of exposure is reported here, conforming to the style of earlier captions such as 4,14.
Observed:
11,47
